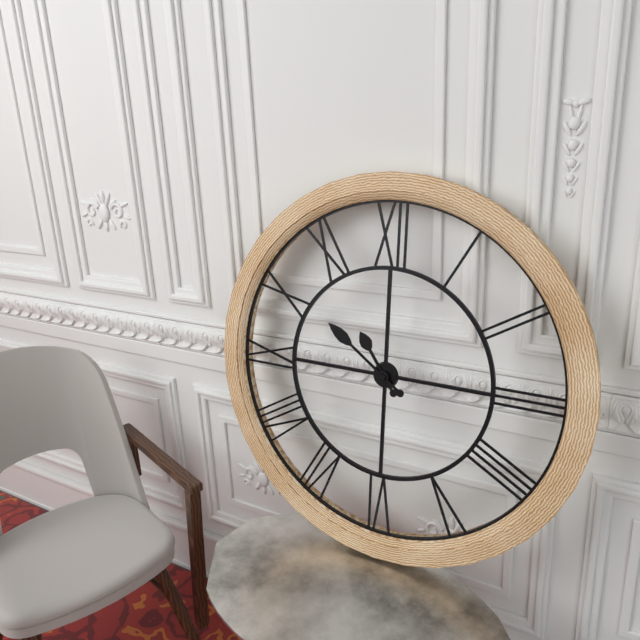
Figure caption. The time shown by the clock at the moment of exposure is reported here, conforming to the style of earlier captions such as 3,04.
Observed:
10,51
